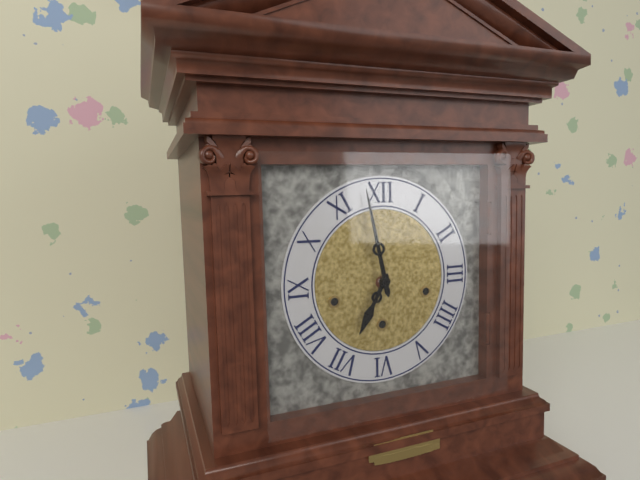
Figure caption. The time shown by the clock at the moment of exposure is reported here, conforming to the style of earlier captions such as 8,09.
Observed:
6,58
